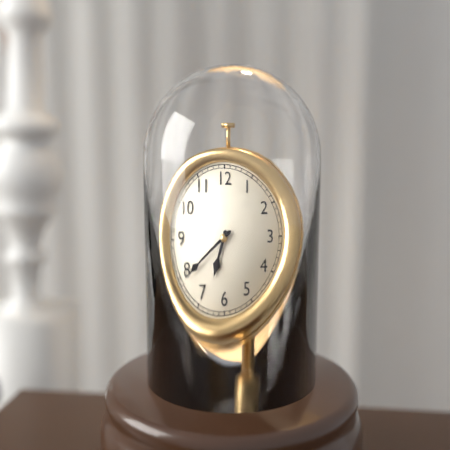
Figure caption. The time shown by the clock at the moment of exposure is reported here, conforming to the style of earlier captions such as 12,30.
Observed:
6,39
